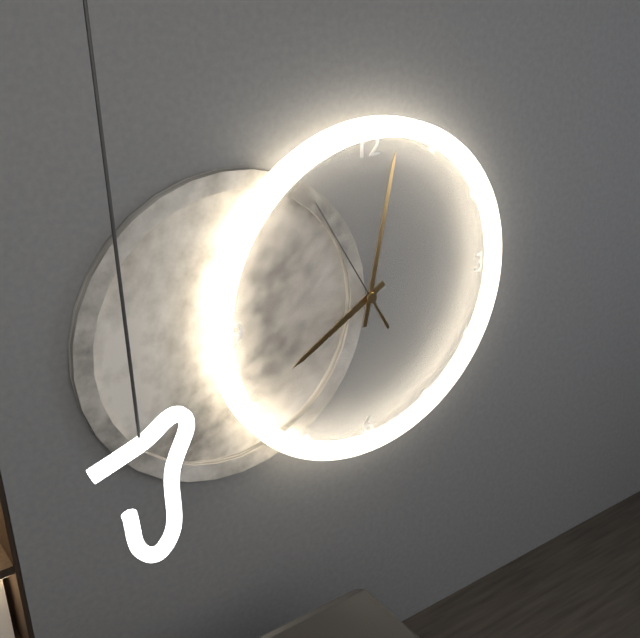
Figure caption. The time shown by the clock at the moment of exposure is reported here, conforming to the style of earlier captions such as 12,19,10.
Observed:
8,02,55
